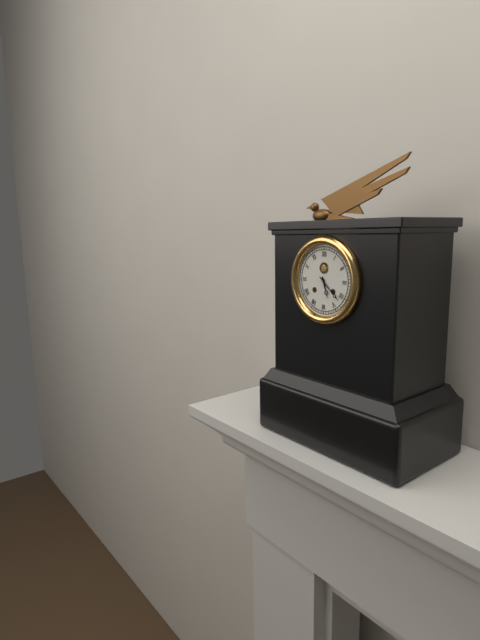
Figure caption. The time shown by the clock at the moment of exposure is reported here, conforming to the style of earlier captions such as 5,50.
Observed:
5,22
